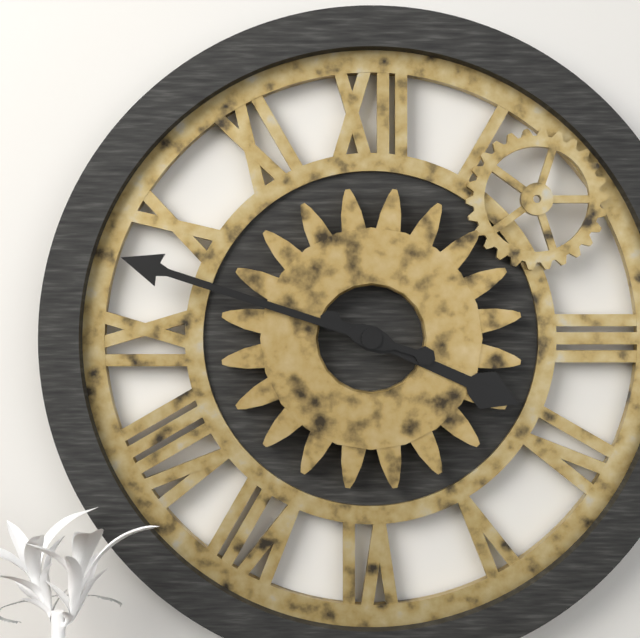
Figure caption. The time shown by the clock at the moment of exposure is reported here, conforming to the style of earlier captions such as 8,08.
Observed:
3,48
